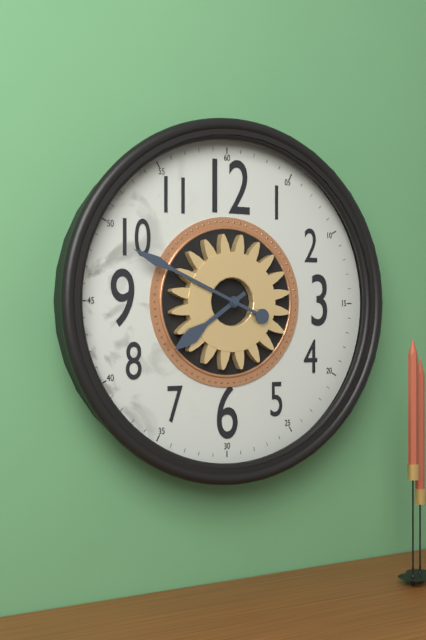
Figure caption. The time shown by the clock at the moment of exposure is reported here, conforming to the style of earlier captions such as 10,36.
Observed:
7,49
